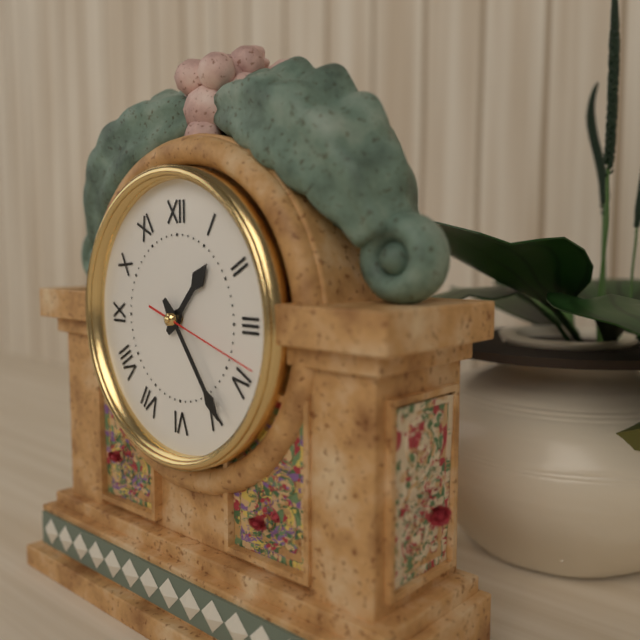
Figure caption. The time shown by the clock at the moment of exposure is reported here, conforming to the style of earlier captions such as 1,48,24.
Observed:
1,24,18
